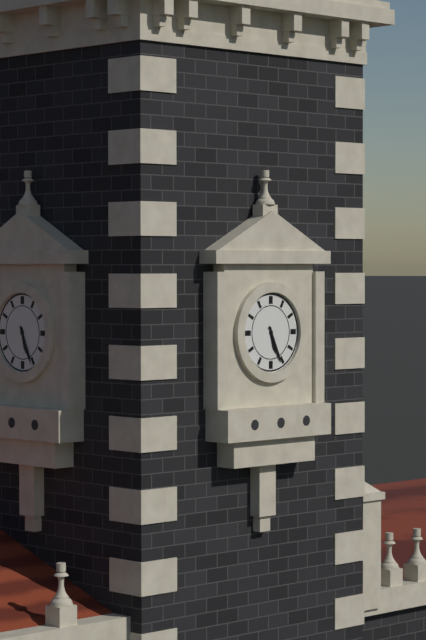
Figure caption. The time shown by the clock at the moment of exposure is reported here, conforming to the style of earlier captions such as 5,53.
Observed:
5,26
